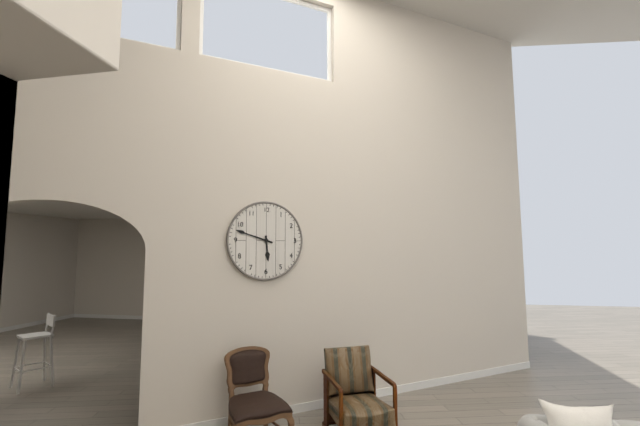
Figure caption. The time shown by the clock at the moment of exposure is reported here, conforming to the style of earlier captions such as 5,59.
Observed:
5,48
